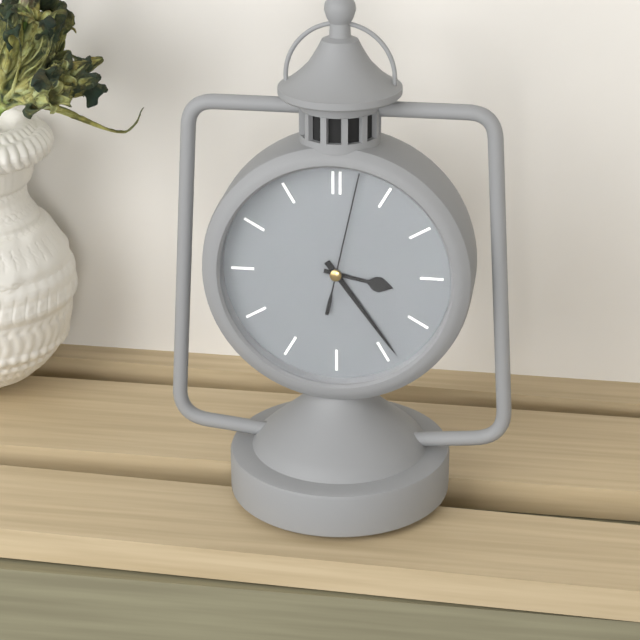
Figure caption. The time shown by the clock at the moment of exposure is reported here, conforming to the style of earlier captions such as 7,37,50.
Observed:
3,24,02
